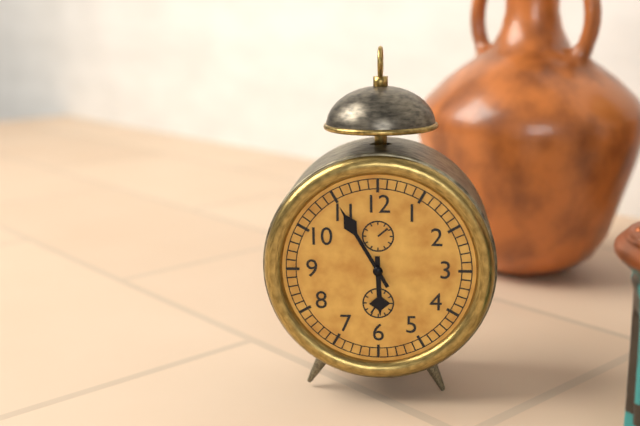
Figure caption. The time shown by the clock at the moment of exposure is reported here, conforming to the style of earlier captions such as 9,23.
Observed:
5,55
